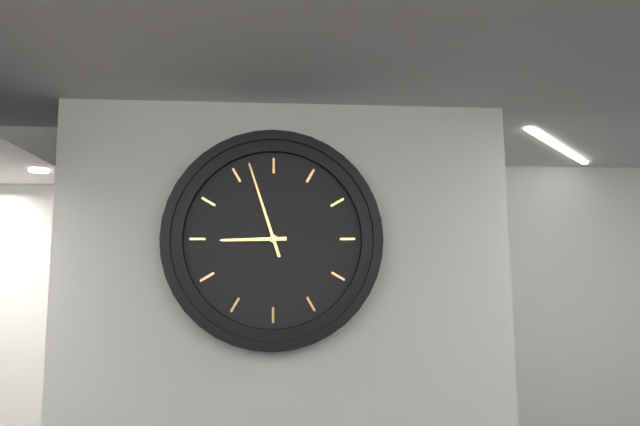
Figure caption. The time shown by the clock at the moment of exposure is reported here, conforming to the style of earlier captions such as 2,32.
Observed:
8,57
